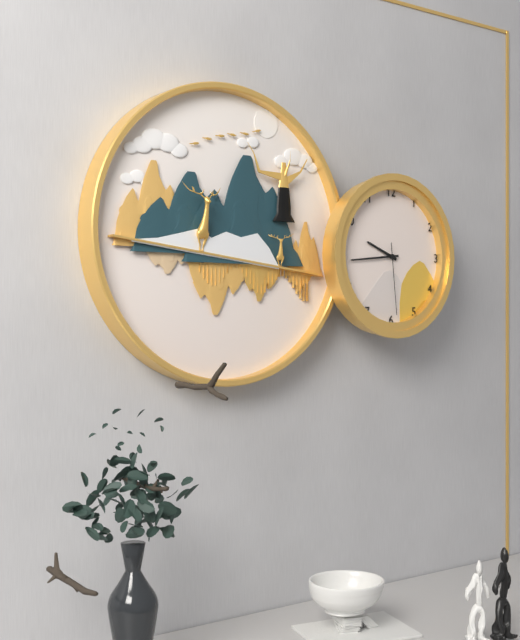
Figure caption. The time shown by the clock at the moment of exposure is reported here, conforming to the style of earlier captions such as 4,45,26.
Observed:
9,44,29
